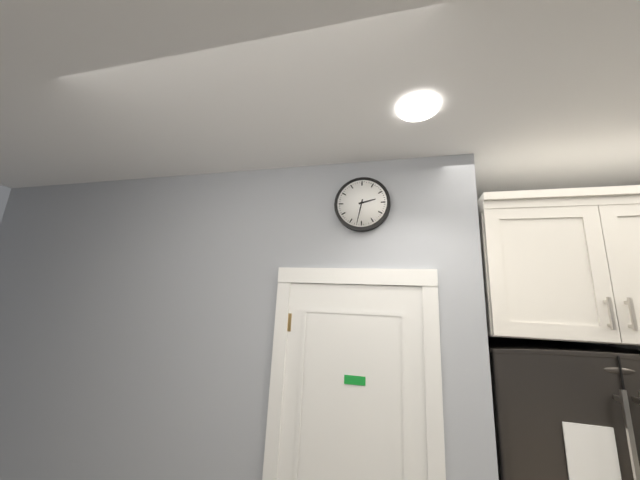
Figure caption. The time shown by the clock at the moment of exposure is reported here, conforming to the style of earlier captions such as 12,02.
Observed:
2,32
